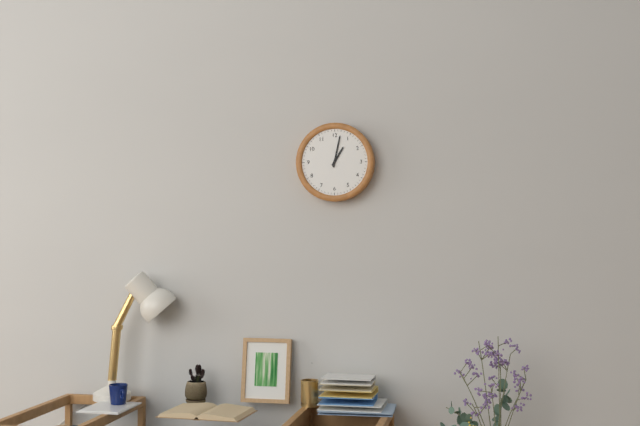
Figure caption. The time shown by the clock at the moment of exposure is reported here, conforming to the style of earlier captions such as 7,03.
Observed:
1,02
